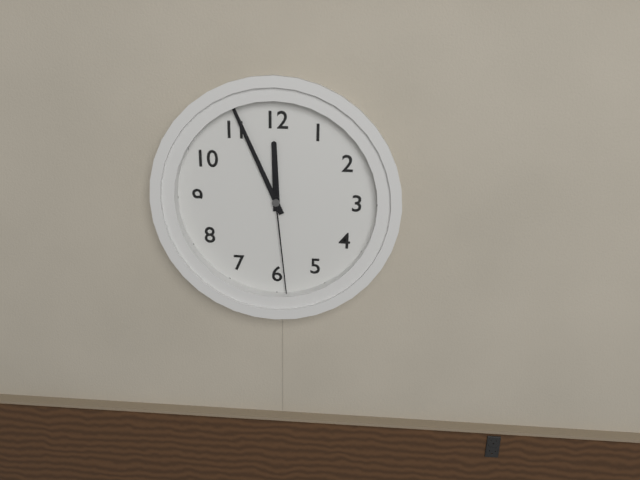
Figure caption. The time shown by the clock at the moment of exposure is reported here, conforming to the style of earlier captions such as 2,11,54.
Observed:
11,56,29
